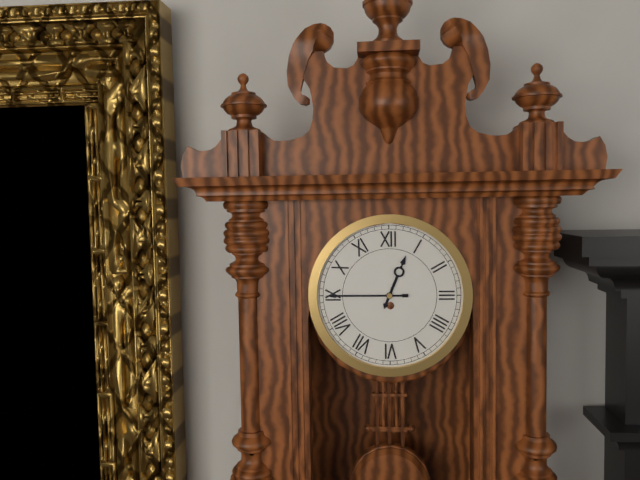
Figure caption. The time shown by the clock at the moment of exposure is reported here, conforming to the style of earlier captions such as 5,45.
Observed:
12,45
